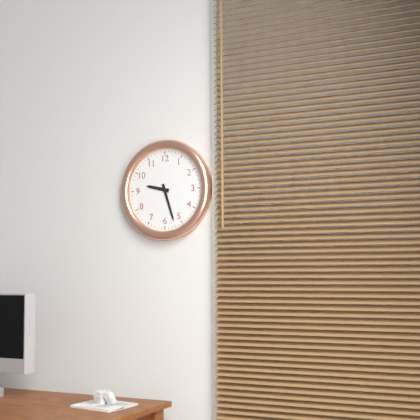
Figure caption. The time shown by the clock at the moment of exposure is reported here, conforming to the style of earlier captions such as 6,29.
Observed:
9,27
